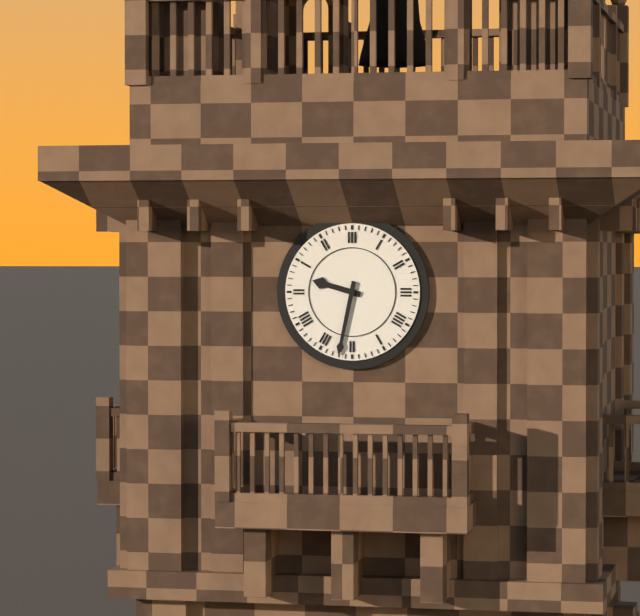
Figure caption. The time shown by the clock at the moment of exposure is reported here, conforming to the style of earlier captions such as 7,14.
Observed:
9,32
